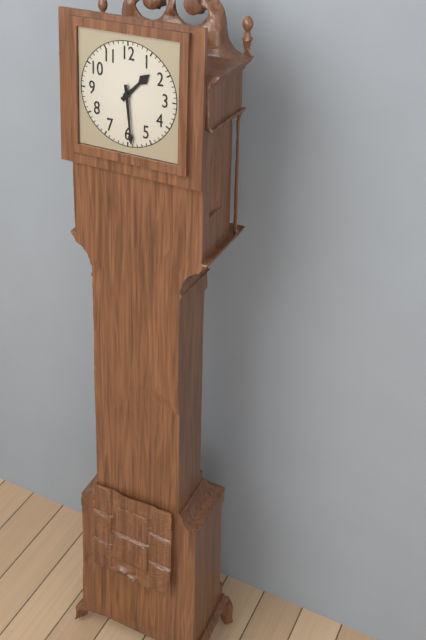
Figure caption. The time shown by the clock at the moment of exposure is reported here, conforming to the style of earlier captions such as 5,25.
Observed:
1,29
